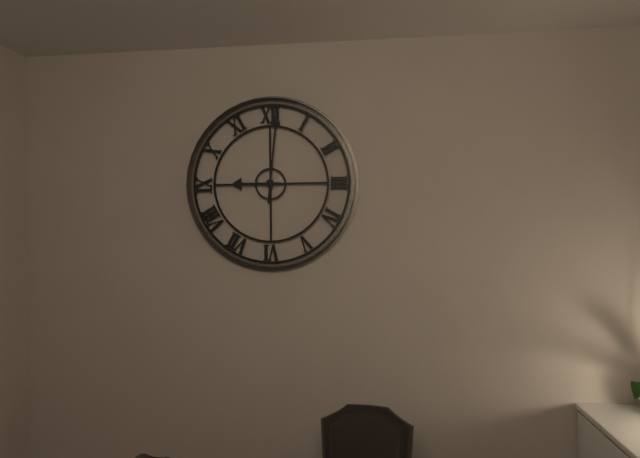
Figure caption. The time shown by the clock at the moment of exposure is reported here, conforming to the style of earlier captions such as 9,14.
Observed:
9,01
